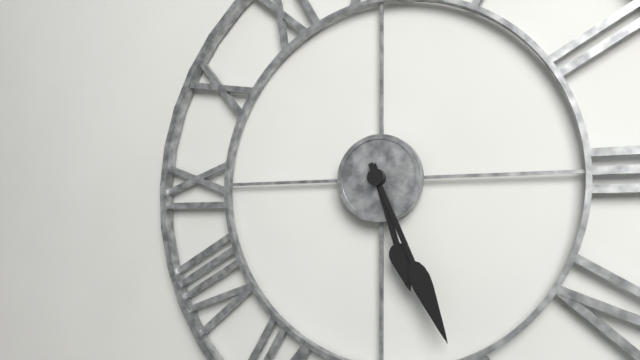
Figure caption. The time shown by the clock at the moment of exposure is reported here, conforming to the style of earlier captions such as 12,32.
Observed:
5,26
